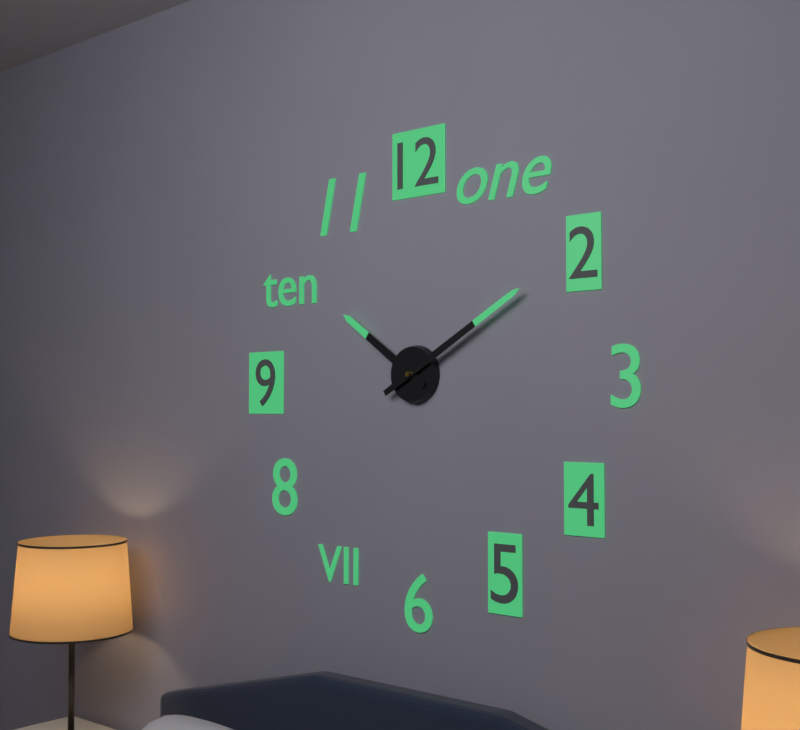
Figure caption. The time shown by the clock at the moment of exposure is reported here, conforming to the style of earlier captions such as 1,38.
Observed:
10,10
